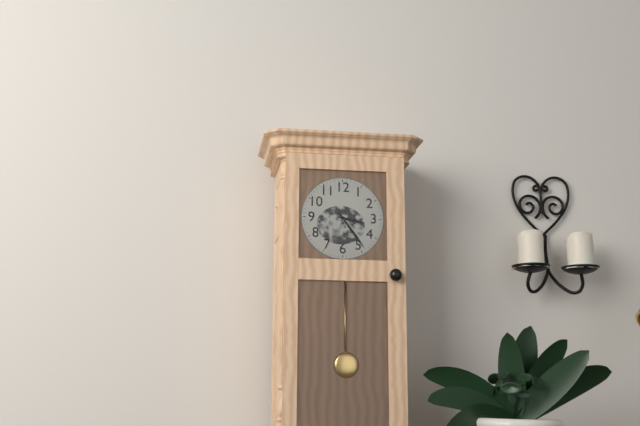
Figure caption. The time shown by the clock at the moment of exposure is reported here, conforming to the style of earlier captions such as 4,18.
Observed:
3,24
